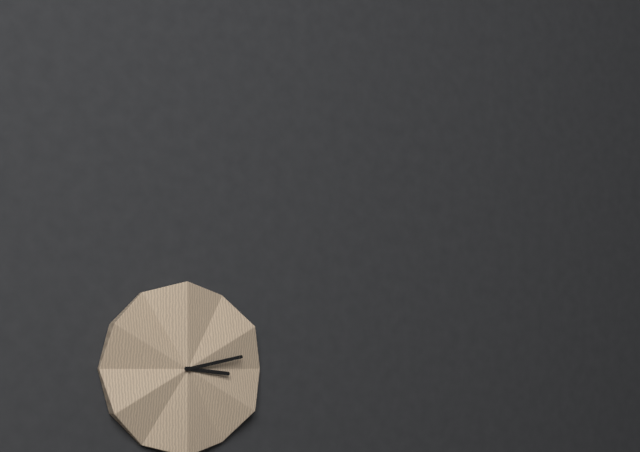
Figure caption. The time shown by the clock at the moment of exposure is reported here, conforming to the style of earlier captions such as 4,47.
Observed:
3,13
